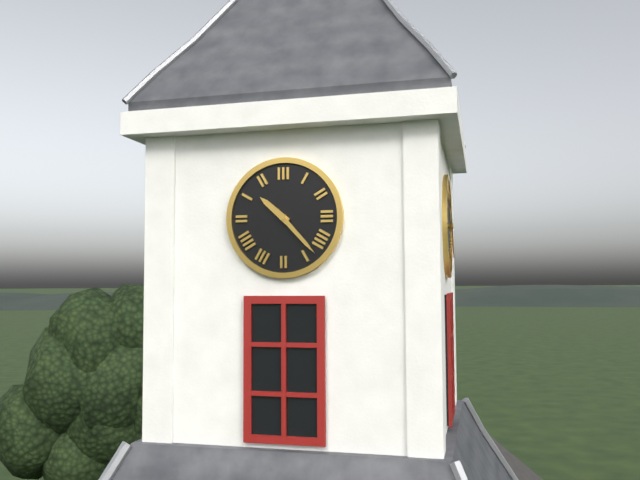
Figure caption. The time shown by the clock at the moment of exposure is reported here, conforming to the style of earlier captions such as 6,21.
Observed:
10,23
